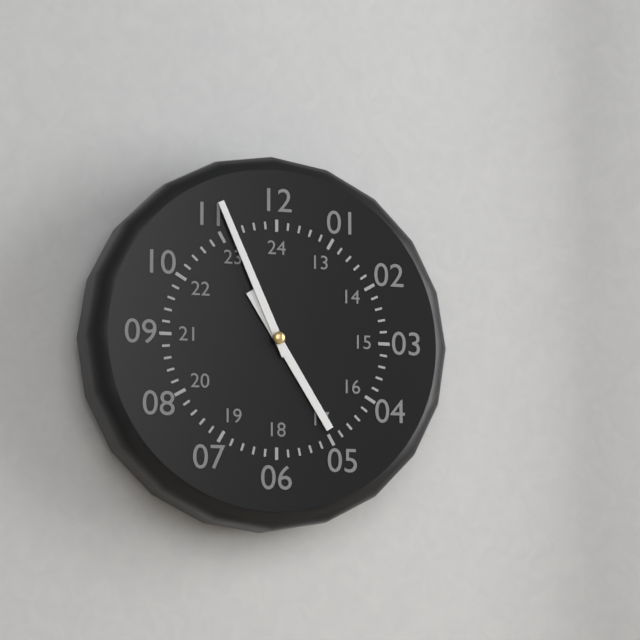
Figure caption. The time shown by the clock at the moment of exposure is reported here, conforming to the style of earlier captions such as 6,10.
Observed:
4,56
